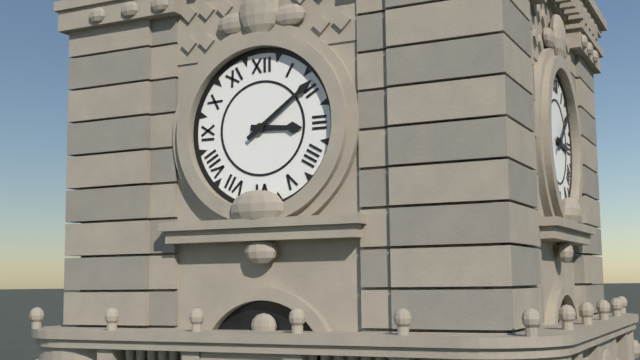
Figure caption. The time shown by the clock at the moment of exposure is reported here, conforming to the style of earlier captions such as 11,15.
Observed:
3,09
